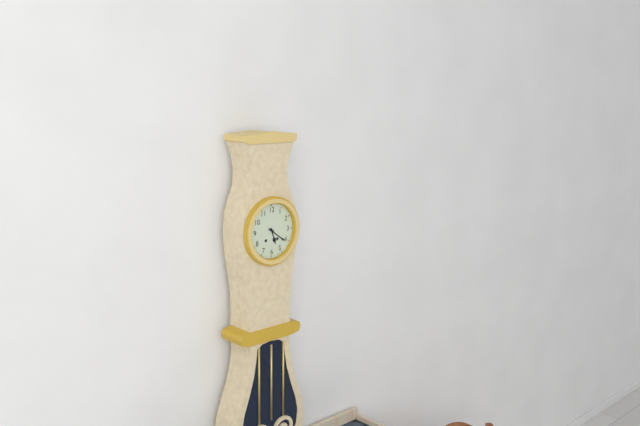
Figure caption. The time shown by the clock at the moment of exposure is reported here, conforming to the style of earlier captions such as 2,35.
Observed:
5,21
